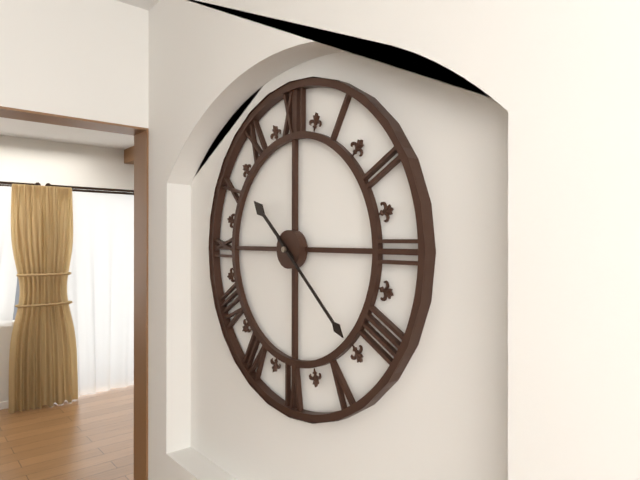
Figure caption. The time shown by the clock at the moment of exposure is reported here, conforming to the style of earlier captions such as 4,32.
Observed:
10,22
